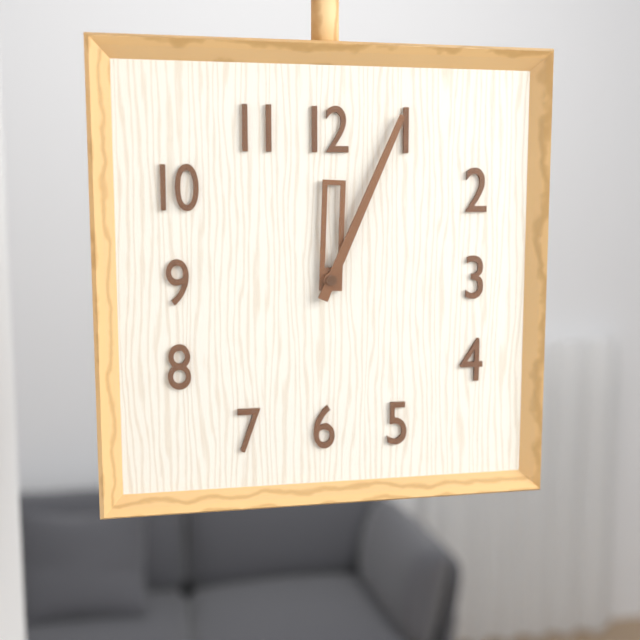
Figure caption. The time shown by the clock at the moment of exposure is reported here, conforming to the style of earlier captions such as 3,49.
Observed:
12,04
